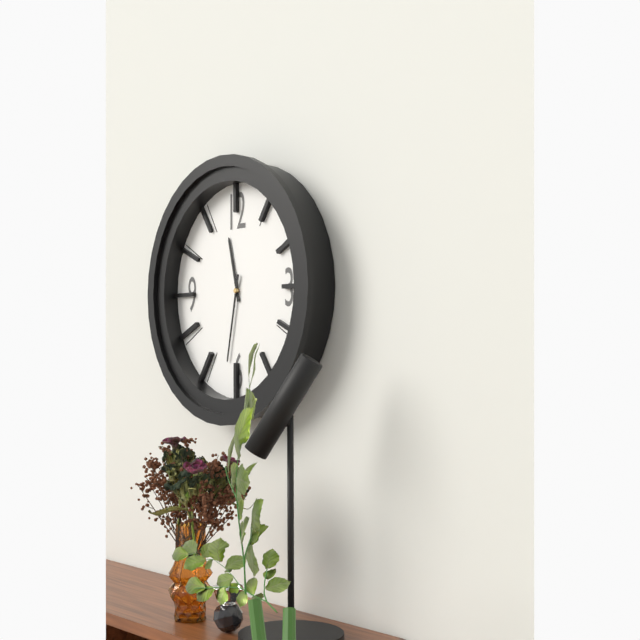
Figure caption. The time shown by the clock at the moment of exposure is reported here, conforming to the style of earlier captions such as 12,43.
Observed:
11,32
